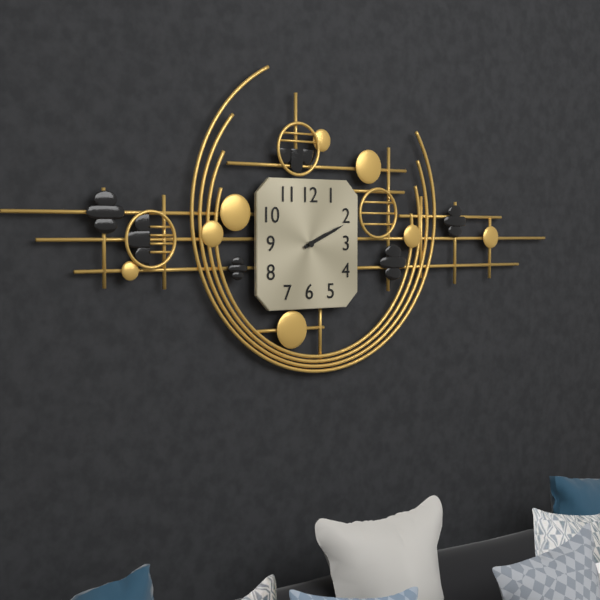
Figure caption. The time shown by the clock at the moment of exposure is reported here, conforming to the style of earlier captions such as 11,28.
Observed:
2,11
